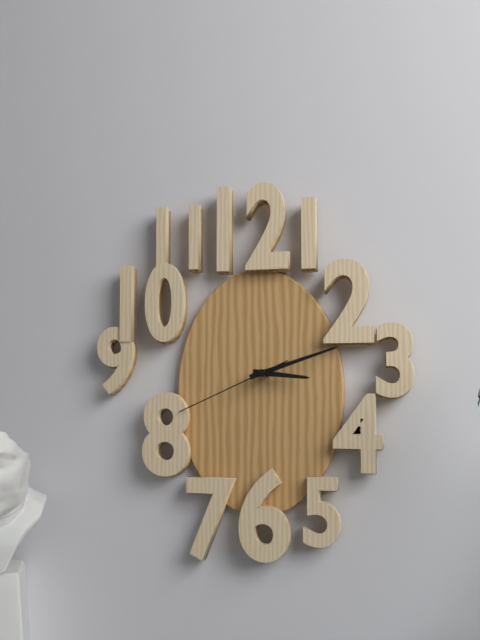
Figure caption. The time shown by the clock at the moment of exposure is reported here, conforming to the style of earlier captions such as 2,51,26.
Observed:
3,12,41
